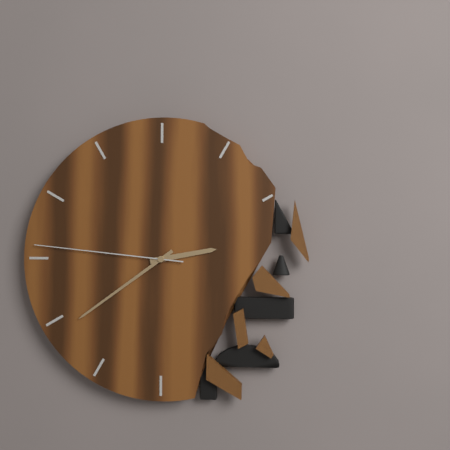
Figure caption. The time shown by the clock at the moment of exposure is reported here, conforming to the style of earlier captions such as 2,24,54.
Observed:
2,39,46
